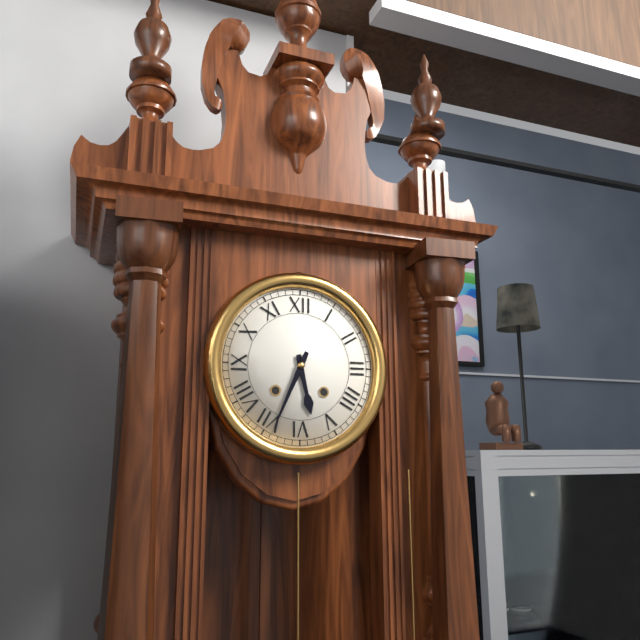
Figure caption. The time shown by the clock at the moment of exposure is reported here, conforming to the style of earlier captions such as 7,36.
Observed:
5,34
